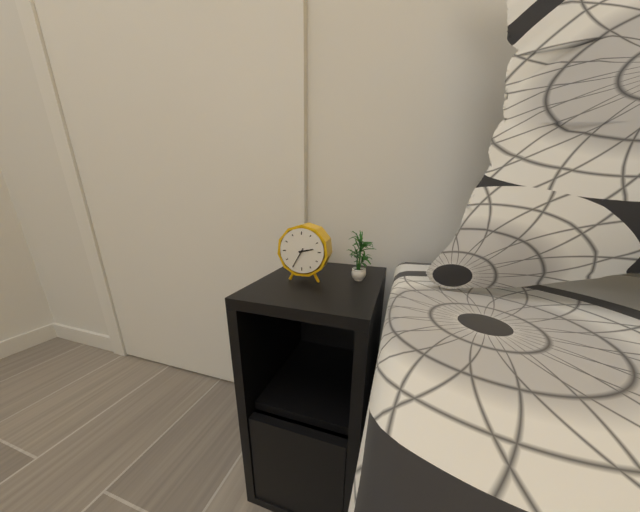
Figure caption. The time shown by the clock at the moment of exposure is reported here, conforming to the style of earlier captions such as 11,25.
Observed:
2,35
